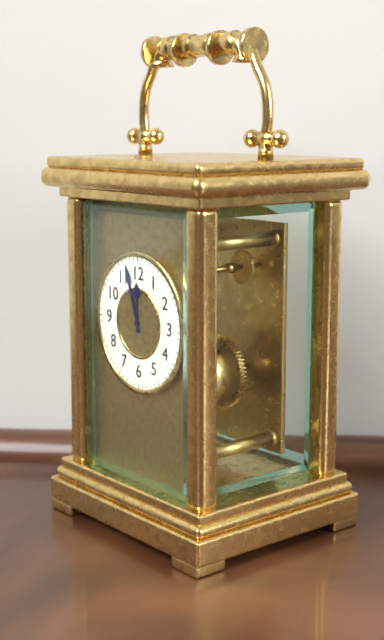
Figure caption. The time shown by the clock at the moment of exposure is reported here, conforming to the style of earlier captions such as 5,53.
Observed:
11,57
